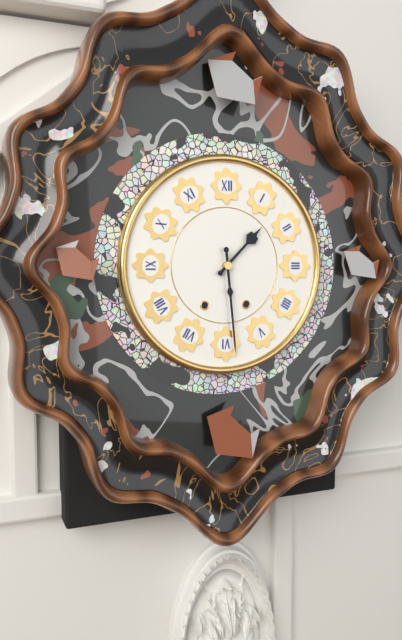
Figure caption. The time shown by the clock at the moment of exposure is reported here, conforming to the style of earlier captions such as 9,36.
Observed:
1,29
